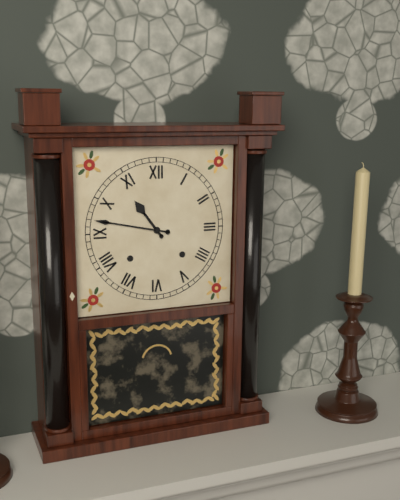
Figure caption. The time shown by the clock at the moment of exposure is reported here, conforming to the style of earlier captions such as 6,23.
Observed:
10,47
